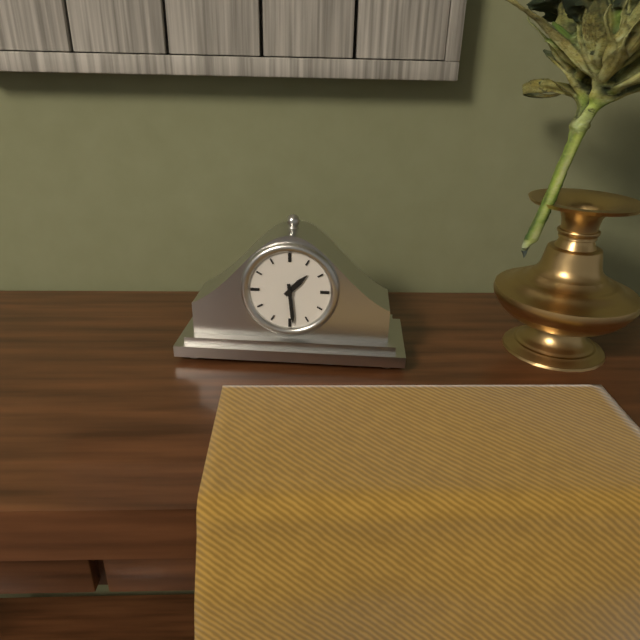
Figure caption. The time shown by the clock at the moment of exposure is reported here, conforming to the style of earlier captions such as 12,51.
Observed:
1,29
